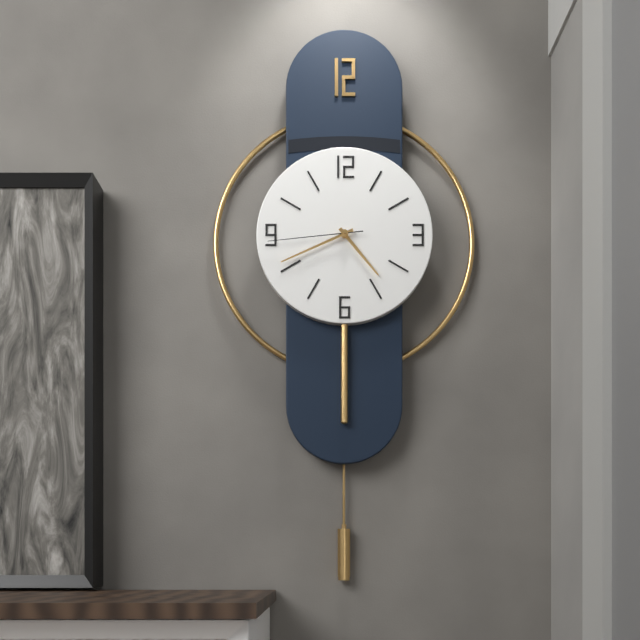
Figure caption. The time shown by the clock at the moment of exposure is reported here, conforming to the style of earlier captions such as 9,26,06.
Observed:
4,41,44
